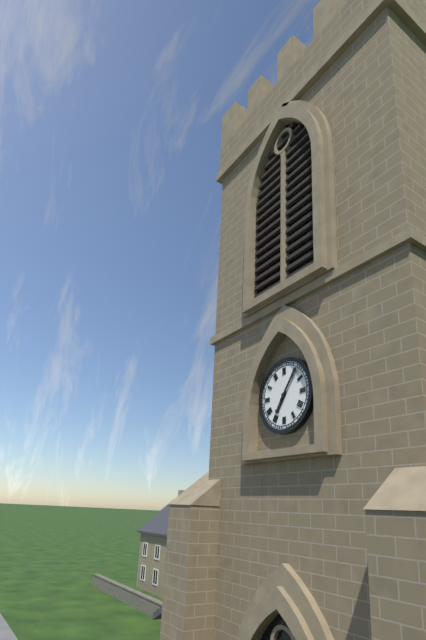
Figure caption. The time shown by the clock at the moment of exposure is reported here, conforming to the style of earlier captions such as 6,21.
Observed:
7,06
